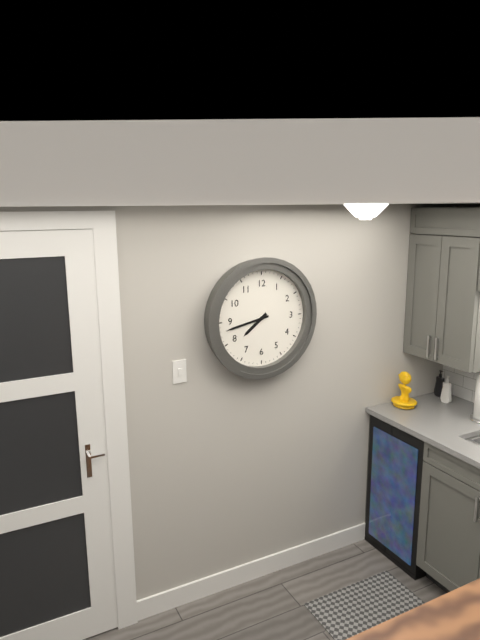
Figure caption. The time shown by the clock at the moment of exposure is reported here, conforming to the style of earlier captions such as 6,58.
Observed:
7,43
